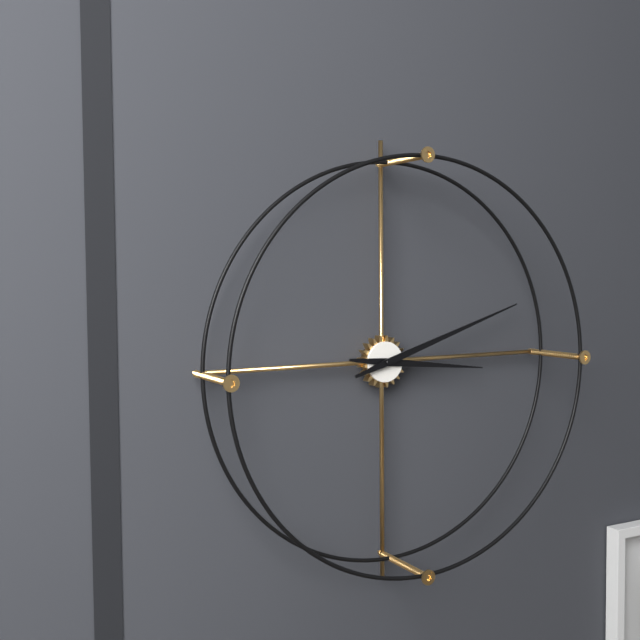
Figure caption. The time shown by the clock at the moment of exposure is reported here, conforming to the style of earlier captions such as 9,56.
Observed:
3,12
